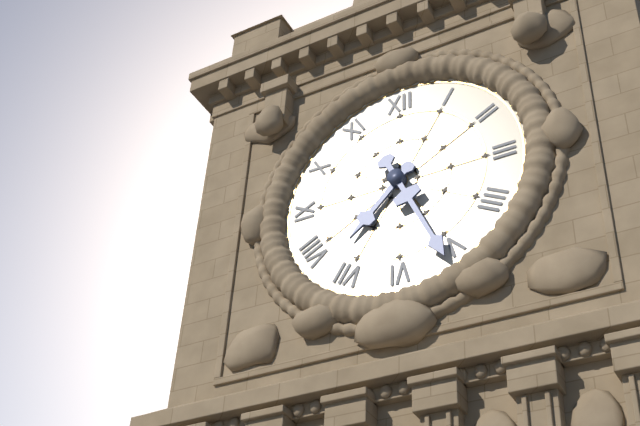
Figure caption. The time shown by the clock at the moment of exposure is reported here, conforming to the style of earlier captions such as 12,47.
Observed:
7,26
